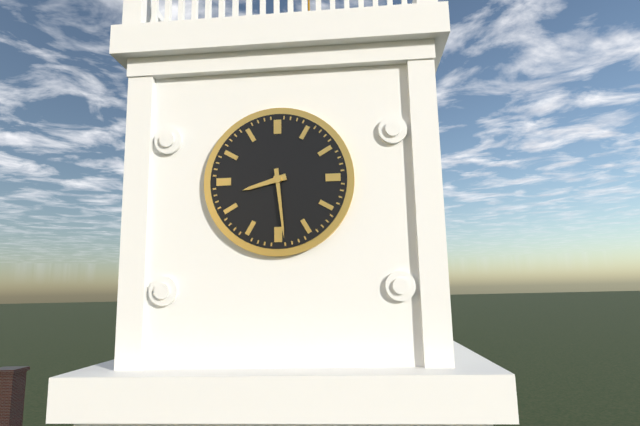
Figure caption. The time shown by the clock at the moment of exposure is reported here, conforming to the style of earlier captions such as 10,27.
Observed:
8,29
